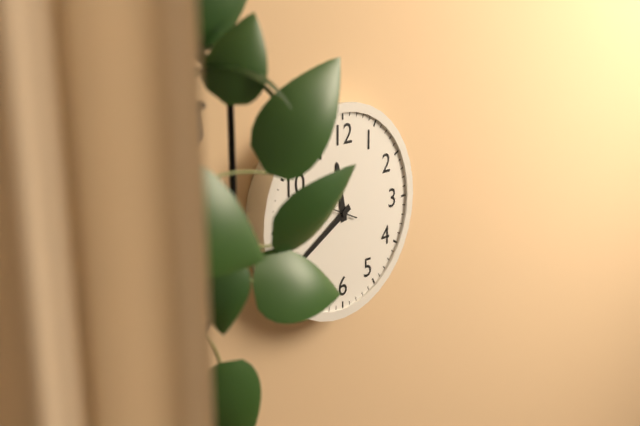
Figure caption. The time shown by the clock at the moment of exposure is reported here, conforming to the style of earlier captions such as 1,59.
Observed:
11,40
